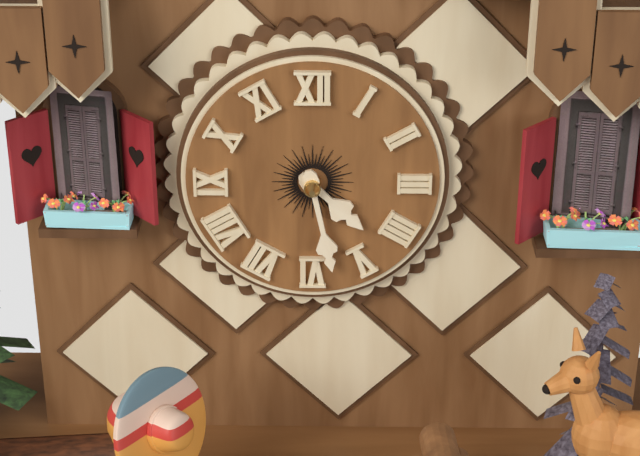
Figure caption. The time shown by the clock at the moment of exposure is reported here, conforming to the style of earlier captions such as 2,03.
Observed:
4,28
